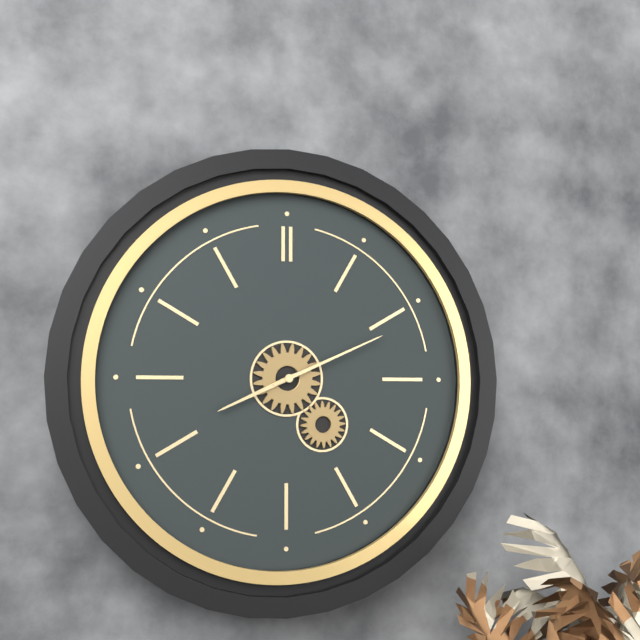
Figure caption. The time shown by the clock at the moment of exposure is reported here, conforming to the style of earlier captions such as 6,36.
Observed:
8,11
